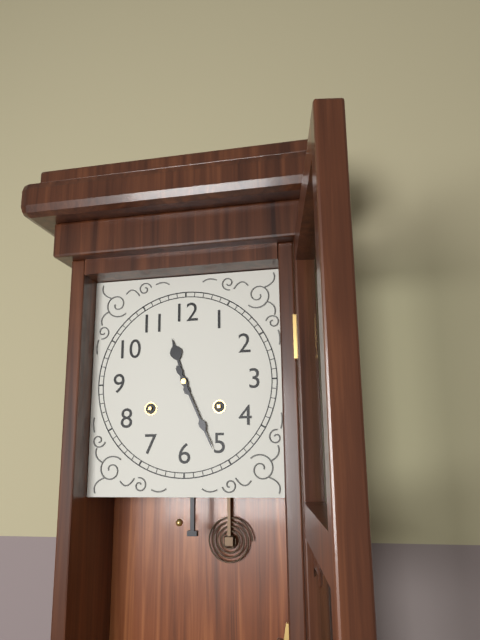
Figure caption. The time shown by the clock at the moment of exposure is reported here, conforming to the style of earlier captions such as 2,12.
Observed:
11,26
